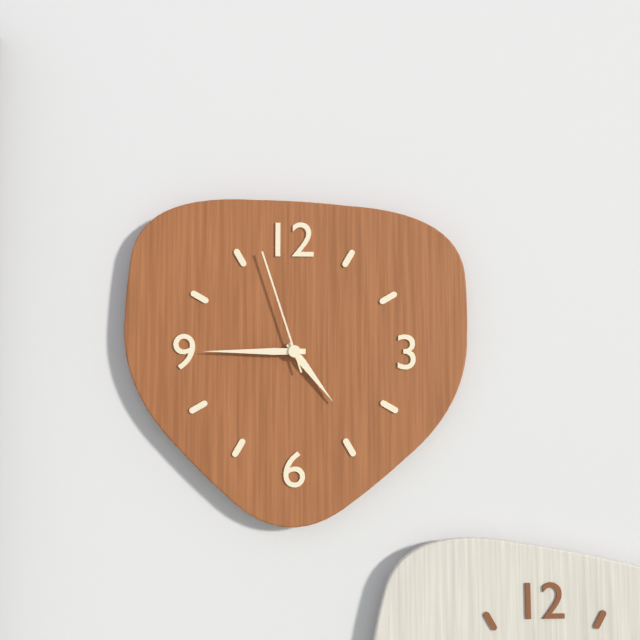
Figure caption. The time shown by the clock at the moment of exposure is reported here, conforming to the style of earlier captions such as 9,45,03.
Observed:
4,45,57
